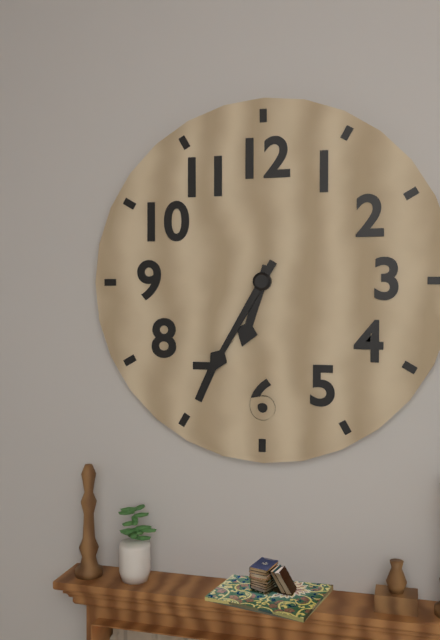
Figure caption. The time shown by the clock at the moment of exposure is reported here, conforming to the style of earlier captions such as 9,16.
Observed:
6,35
